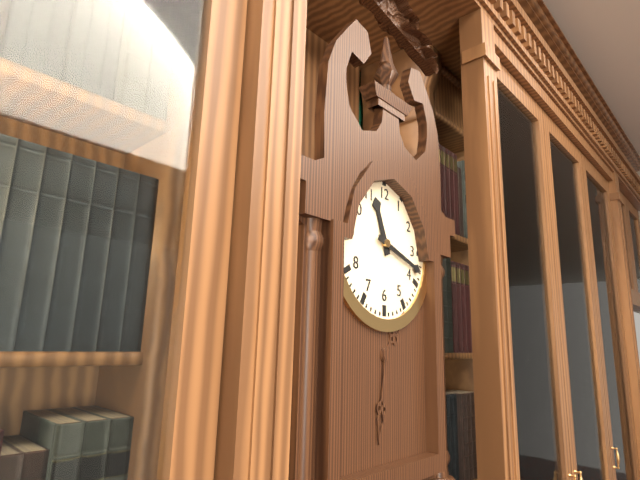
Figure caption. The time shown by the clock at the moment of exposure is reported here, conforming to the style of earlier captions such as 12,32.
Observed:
11,18
